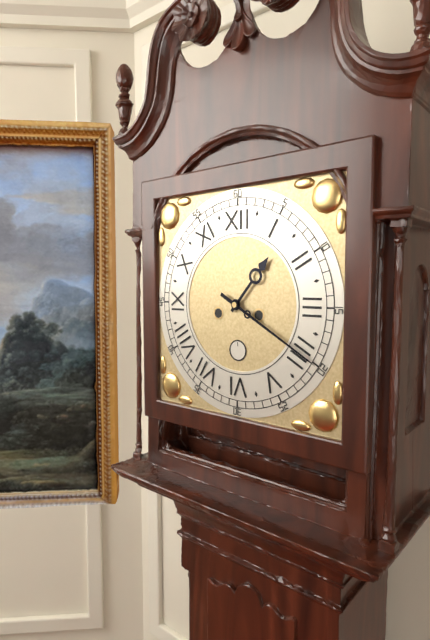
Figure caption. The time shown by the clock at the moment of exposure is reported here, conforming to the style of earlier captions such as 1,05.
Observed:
1,20
